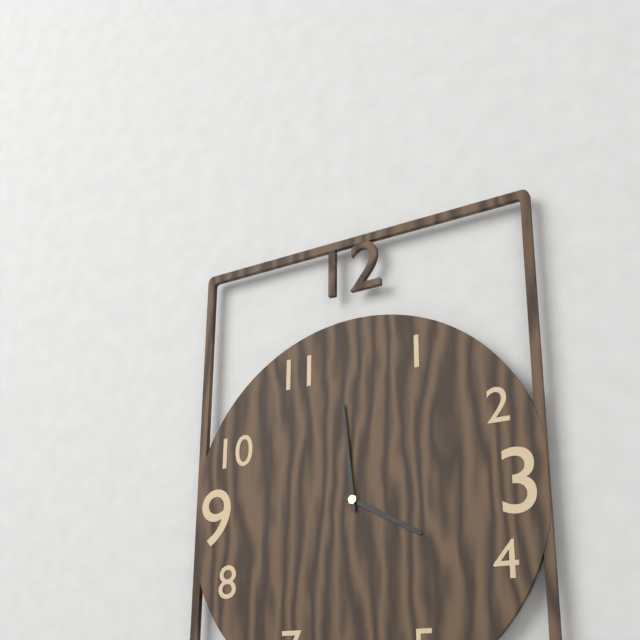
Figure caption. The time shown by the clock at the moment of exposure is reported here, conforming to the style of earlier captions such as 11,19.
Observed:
3,59
